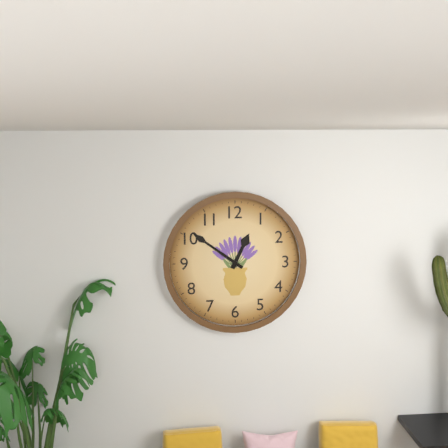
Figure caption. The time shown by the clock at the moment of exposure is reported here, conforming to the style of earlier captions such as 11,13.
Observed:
12,51
